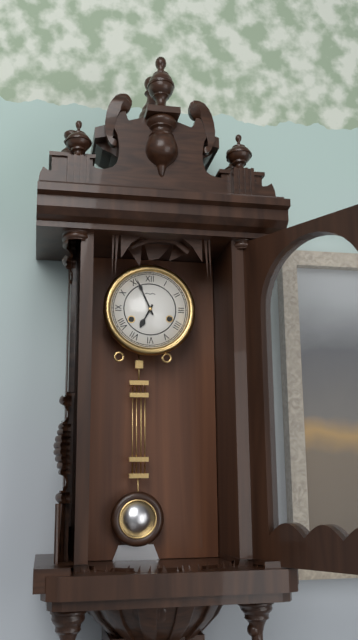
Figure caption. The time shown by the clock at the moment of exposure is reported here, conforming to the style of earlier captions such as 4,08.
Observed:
6,56
